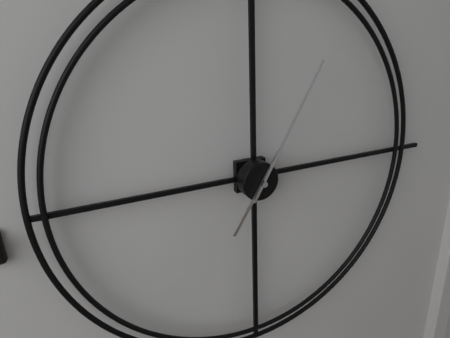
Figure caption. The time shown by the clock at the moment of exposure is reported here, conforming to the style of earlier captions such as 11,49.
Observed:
7,05
